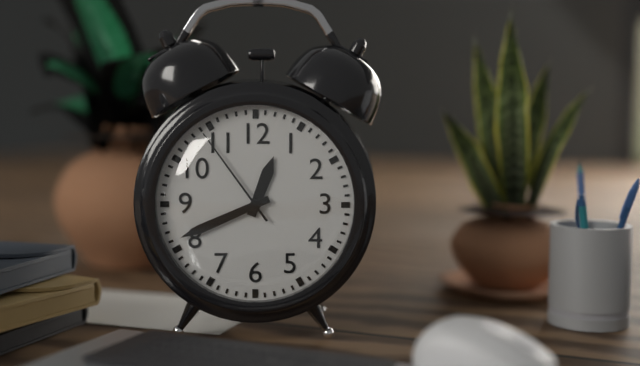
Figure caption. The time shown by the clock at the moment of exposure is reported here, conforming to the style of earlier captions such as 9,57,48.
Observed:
12,41,54
